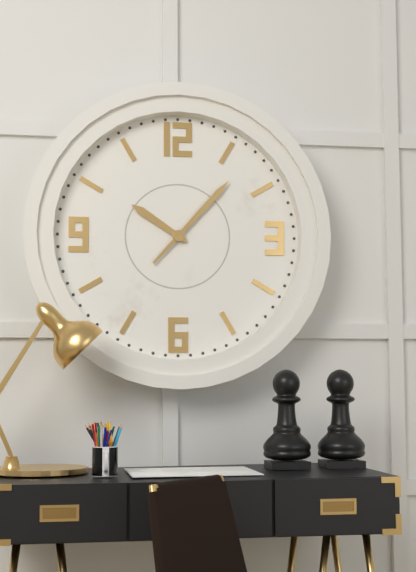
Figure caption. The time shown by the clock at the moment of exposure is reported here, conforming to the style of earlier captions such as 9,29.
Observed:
10,07
